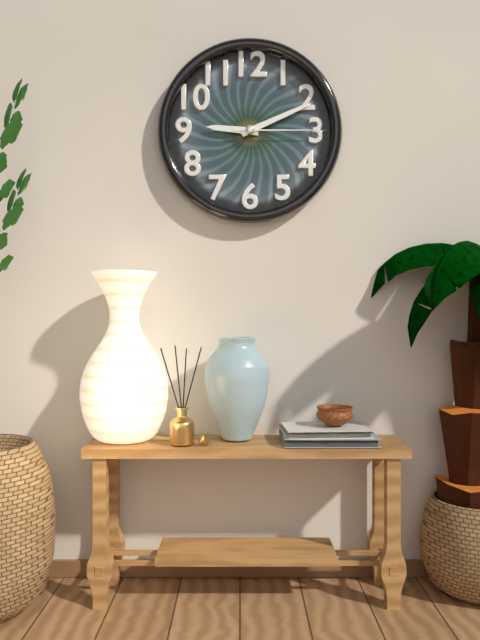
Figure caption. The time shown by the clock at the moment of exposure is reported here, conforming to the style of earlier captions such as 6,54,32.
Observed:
9,11,15
